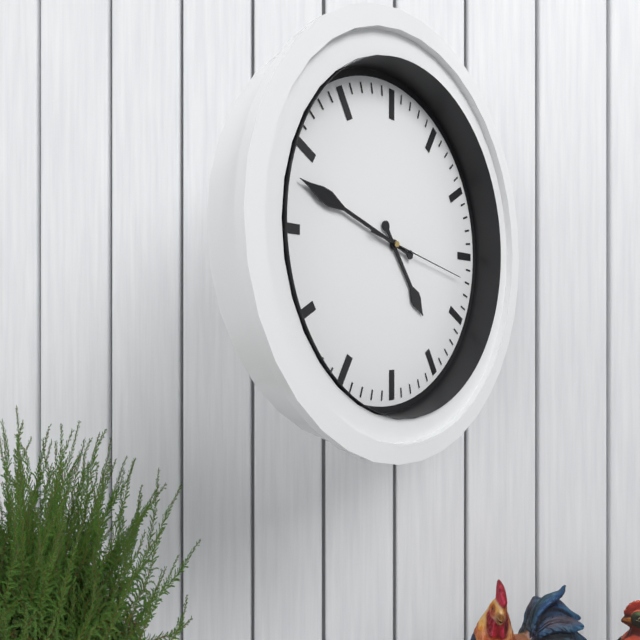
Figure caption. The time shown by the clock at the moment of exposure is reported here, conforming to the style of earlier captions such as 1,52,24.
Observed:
4,48,17
